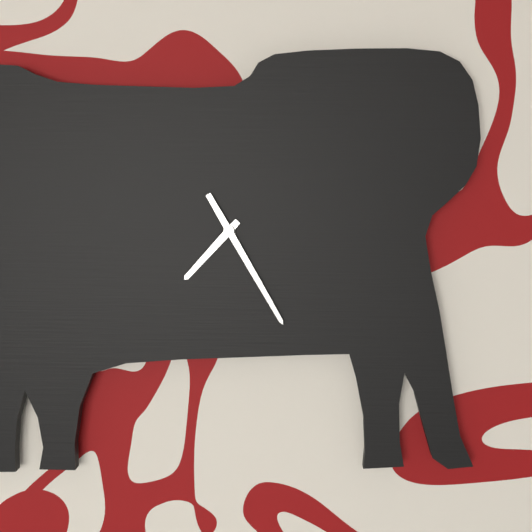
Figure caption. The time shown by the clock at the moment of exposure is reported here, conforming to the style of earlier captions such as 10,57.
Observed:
7,25
